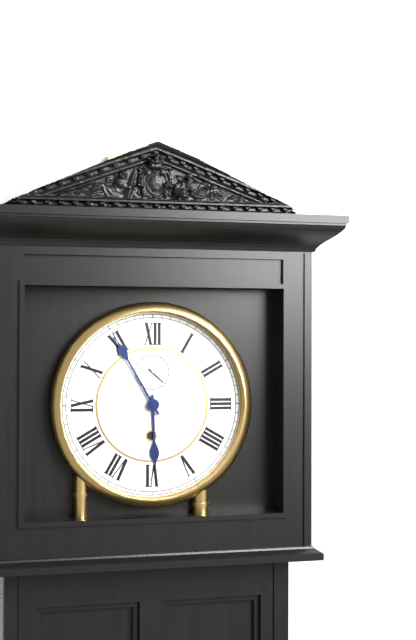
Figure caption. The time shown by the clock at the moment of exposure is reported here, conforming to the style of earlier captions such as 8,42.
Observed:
5,55
